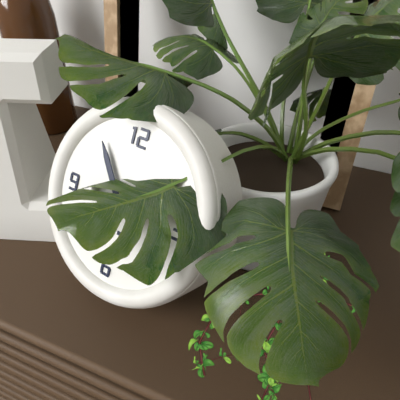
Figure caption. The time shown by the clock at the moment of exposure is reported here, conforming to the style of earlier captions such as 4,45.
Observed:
8,54
